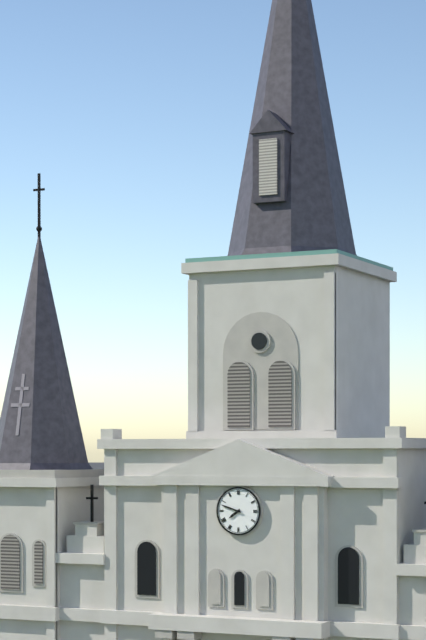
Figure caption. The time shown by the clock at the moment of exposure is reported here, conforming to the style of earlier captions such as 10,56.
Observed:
7,48
